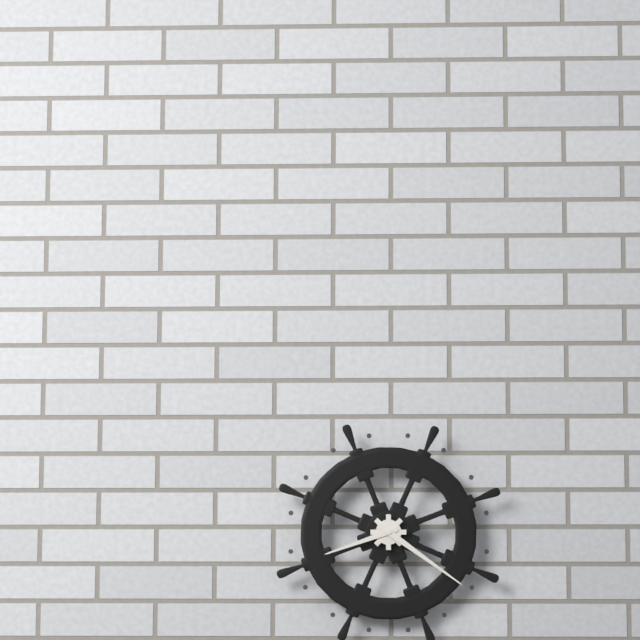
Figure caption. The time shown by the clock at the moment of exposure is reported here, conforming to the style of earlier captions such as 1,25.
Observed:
8,21
